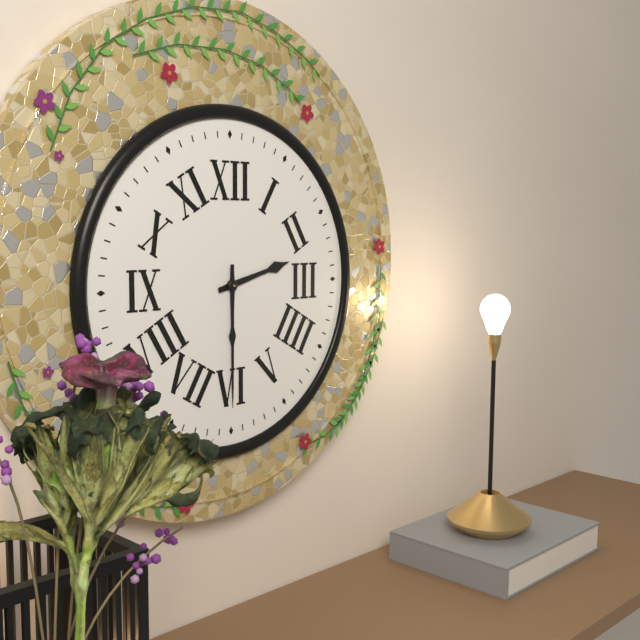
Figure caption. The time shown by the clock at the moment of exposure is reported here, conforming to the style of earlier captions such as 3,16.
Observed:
2,30
